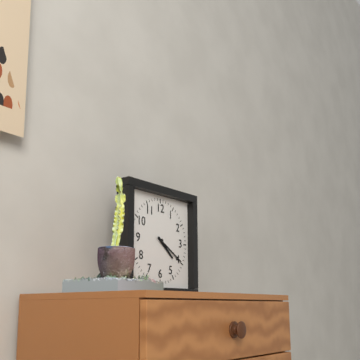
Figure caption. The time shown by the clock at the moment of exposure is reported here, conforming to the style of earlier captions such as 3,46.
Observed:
4,20
